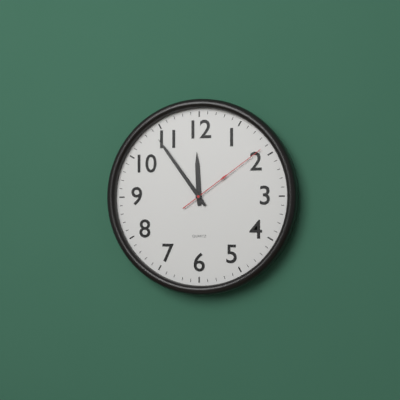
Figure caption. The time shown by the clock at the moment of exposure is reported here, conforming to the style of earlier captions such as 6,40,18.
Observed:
11,54,09
